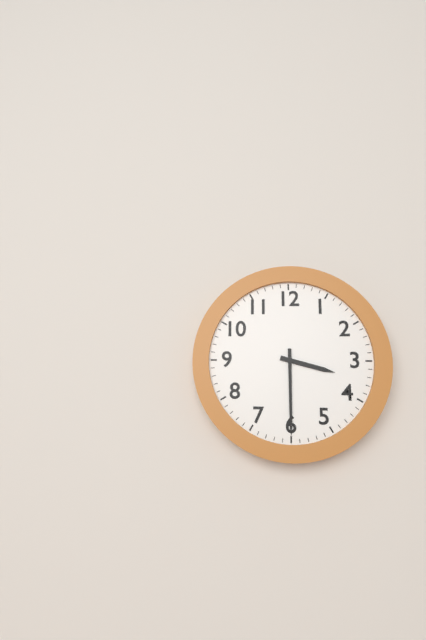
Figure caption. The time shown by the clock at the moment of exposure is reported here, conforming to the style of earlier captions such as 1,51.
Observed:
3,30
